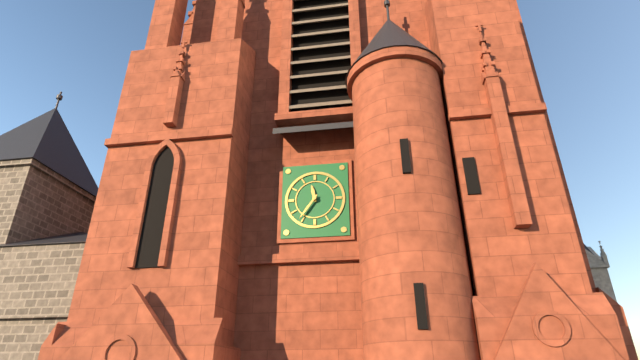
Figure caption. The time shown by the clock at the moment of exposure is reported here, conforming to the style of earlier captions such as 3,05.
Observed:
11,36
